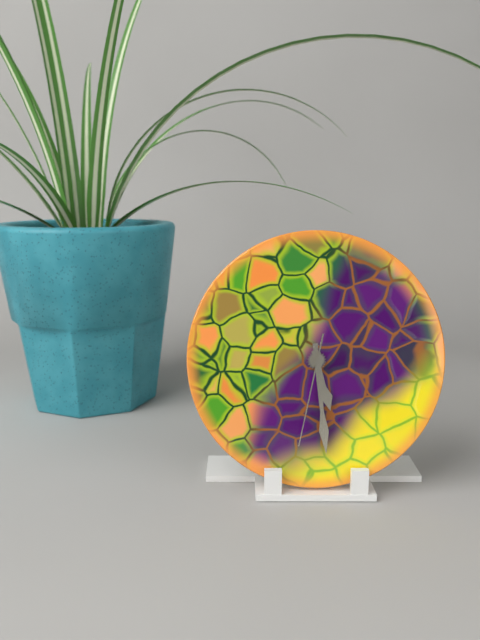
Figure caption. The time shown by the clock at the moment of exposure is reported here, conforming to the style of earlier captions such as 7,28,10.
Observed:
5,29,32
